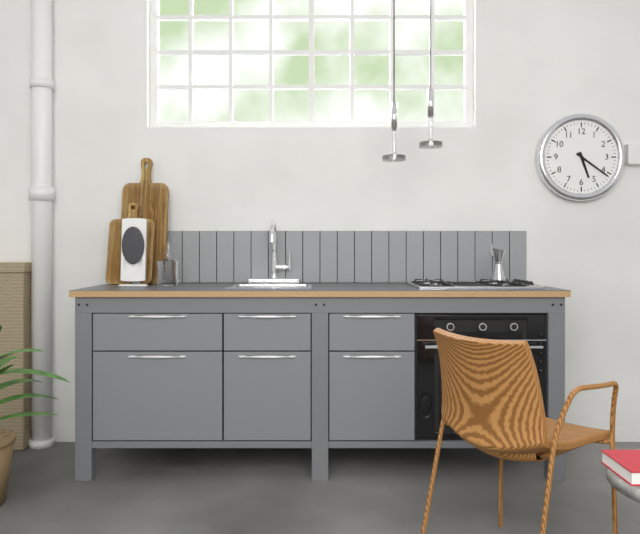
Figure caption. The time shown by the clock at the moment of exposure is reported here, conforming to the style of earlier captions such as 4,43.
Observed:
5,21
